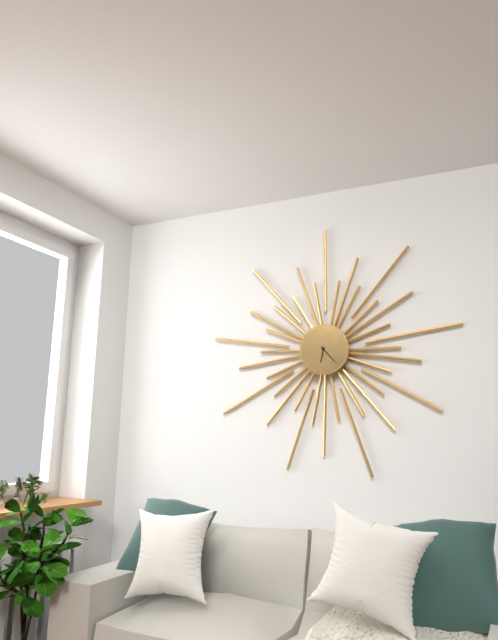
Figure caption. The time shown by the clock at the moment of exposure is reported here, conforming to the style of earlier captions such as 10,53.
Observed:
6,23
